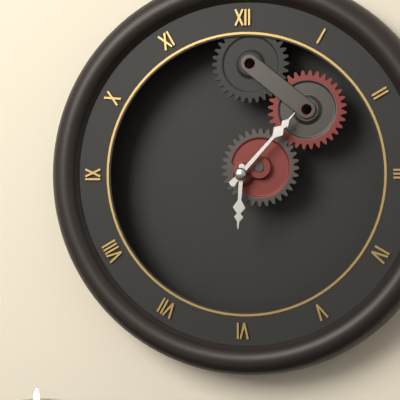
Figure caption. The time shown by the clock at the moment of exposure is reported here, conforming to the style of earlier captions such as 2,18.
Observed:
6,07
